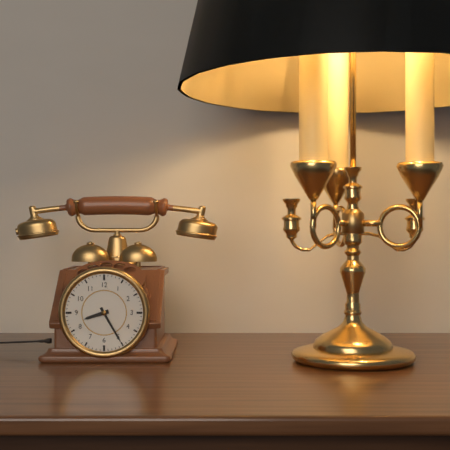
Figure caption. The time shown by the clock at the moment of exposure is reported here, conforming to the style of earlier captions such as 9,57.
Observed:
8,25
